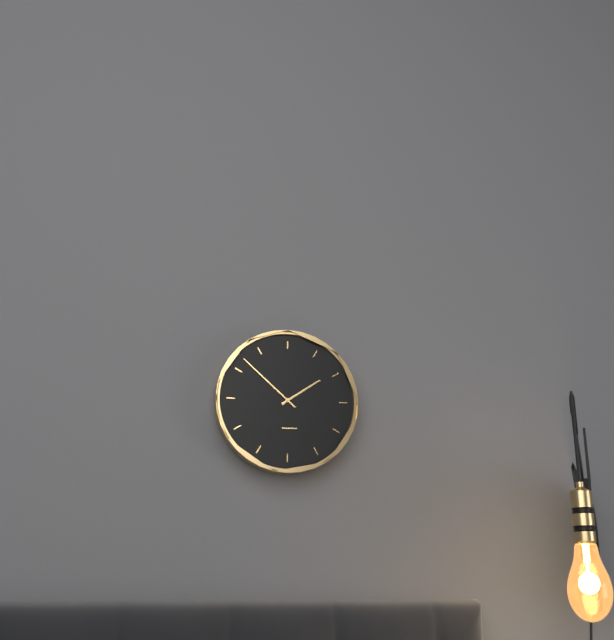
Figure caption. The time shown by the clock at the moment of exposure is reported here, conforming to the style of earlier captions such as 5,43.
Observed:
1,52
